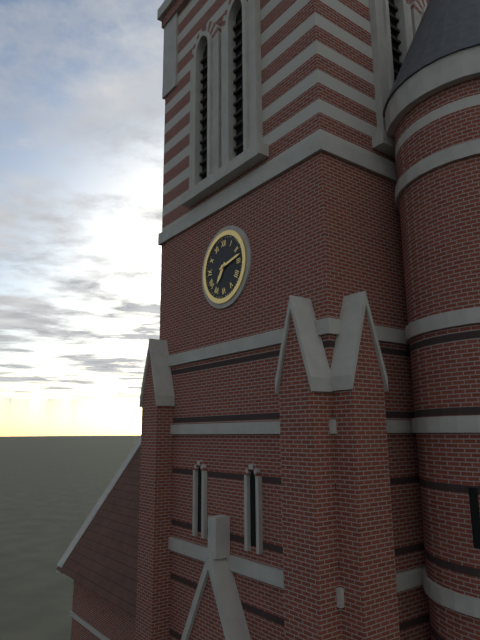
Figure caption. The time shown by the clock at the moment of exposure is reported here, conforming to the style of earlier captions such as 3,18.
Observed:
7,13
